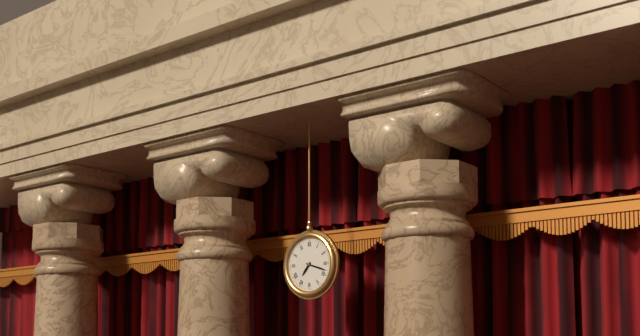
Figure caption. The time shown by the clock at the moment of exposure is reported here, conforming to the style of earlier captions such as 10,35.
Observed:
7,18
